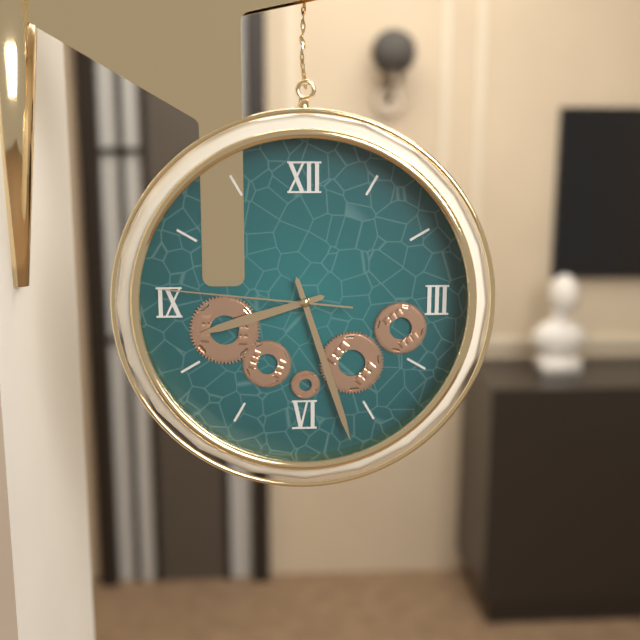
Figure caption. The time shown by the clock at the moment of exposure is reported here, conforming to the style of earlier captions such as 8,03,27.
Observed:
8,27,46
